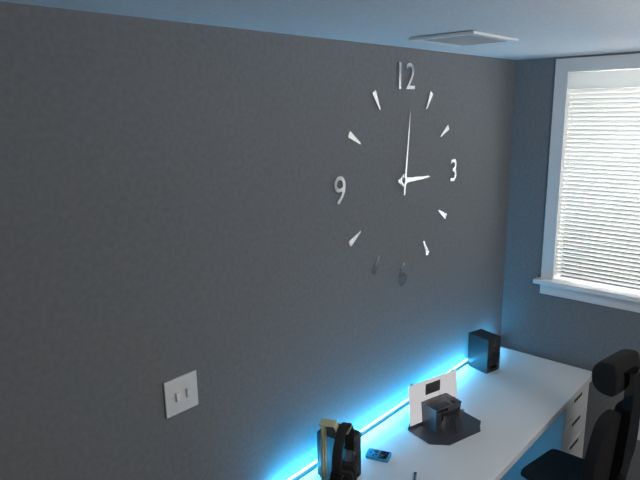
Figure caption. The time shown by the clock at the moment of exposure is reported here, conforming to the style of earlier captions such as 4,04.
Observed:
3,01
